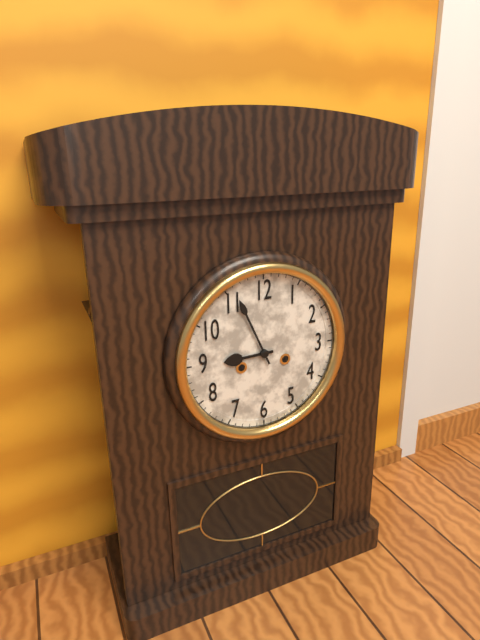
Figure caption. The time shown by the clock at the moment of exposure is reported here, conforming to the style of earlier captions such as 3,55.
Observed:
8,56
